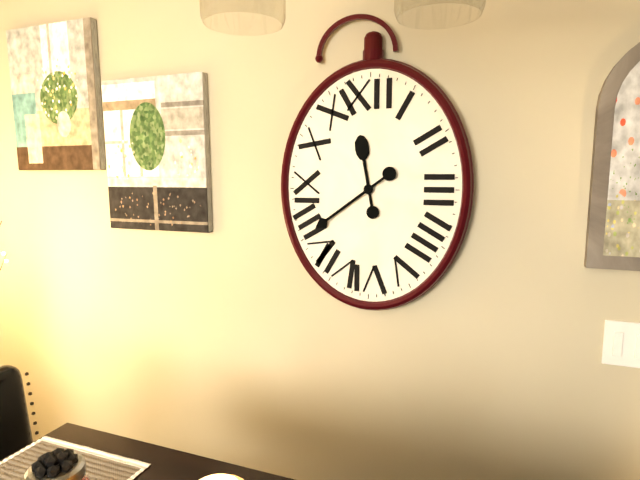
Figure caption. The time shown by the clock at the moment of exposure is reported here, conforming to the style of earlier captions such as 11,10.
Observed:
11,39
